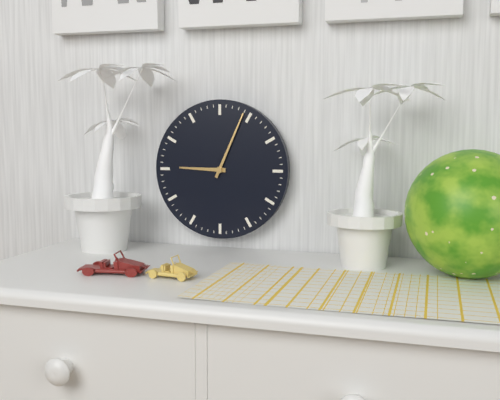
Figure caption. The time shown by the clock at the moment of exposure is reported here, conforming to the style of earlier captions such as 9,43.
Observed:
9,04
